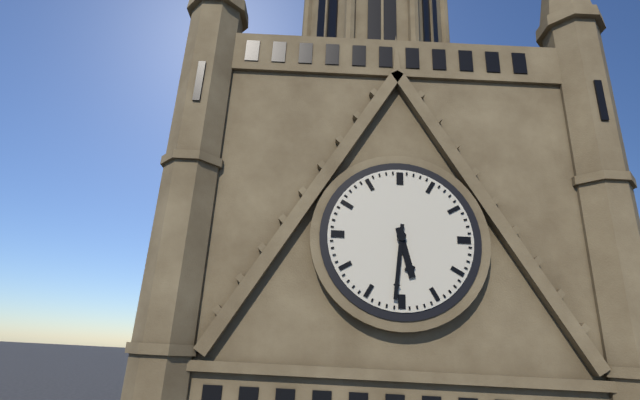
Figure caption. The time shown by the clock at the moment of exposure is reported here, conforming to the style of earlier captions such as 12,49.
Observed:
5,31
